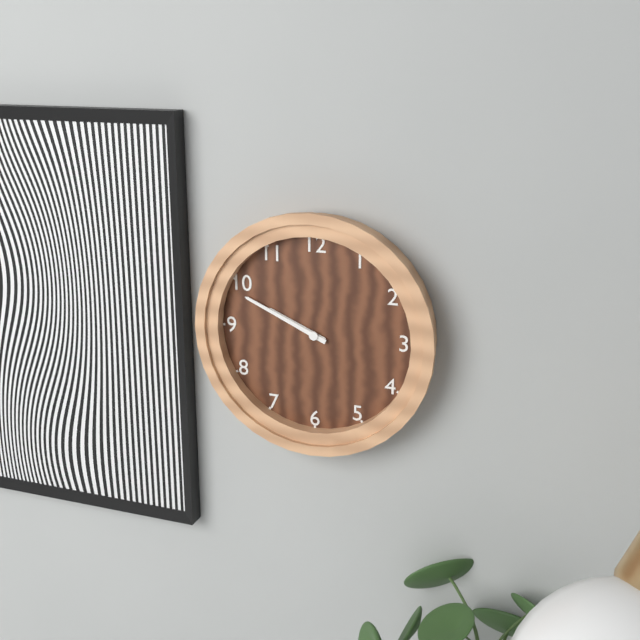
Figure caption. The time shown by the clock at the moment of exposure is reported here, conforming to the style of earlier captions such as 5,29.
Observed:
9,49
